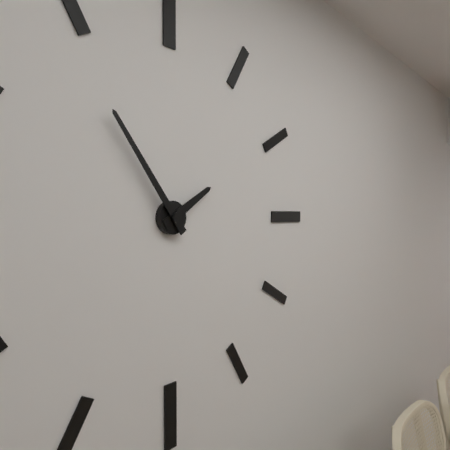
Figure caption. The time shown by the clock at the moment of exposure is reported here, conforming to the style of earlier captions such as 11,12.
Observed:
1,54
